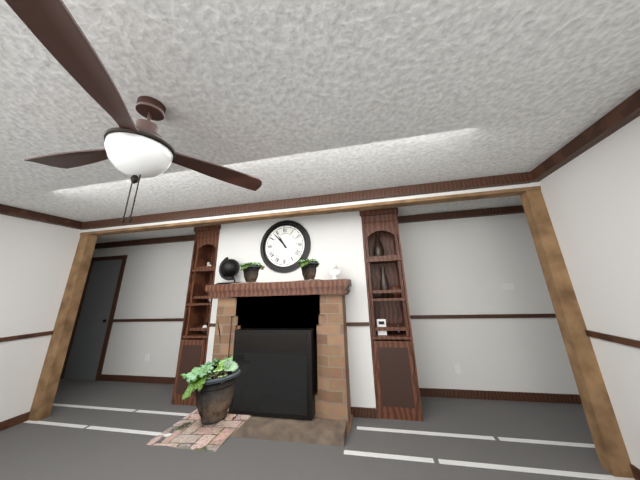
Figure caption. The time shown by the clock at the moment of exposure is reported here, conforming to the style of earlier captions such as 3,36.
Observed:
10,53
